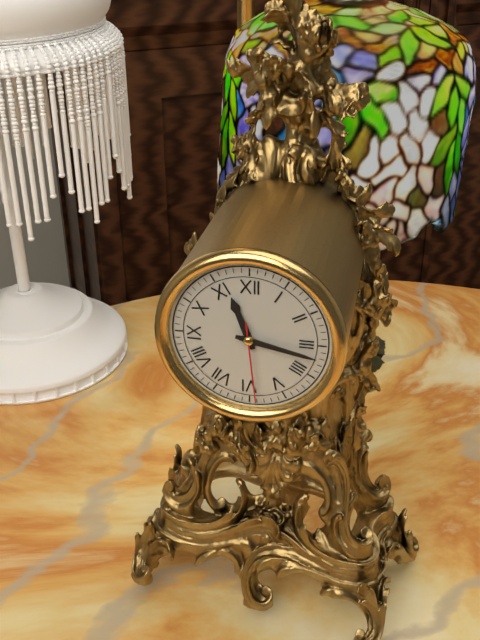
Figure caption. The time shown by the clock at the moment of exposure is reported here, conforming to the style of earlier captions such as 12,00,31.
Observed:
11,17,29
